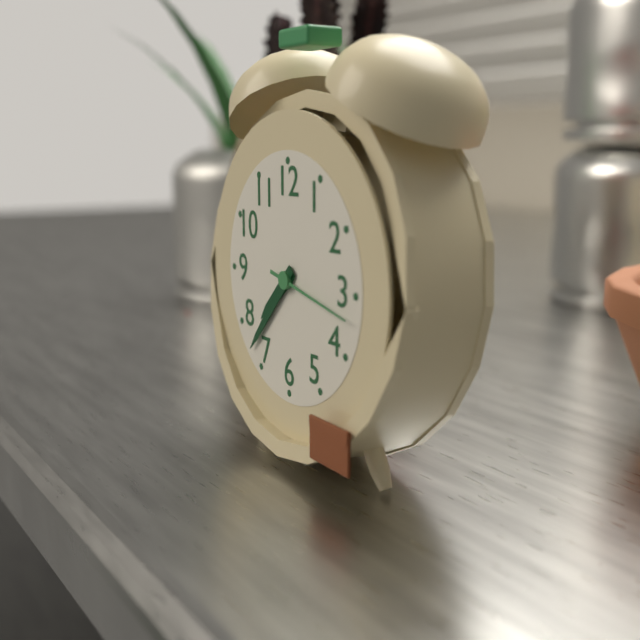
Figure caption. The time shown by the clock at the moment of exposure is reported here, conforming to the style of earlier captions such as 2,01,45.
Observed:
7,37,17
